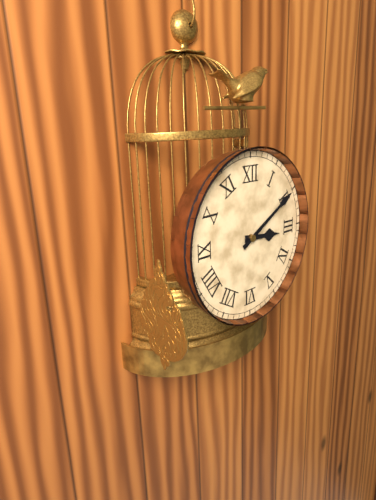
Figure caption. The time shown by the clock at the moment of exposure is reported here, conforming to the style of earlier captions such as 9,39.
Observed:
3,10
